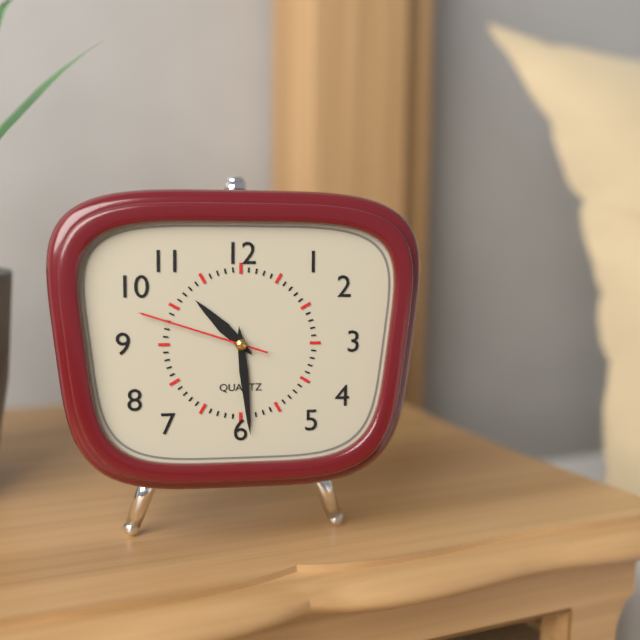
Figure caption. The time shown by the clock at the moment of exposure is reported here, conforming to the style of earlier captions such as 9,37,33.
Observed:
10,29,48
